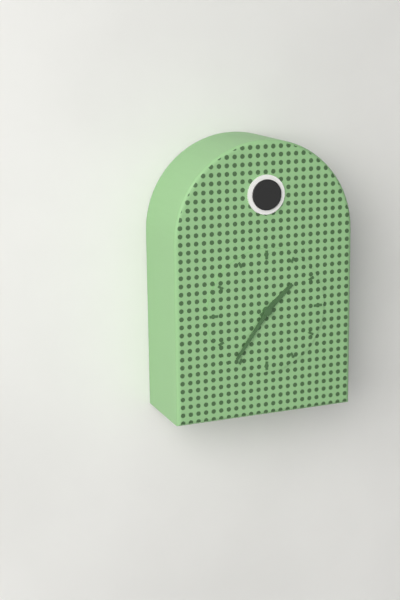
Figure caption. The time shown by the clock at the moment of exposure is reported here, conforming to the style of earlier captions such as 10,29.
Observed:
1,36
